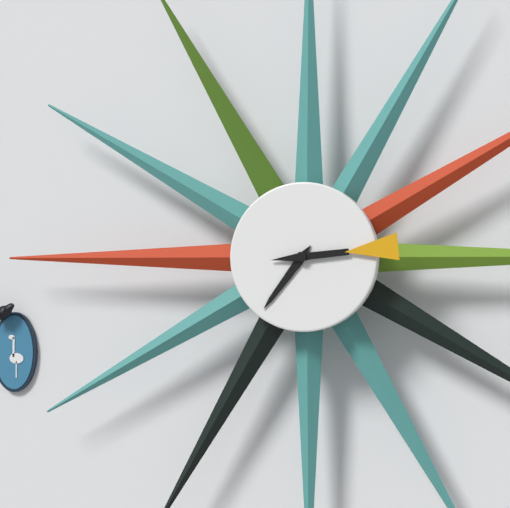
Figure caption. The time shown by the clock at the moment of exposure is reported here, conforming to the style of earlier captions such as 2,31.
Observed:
7,14
